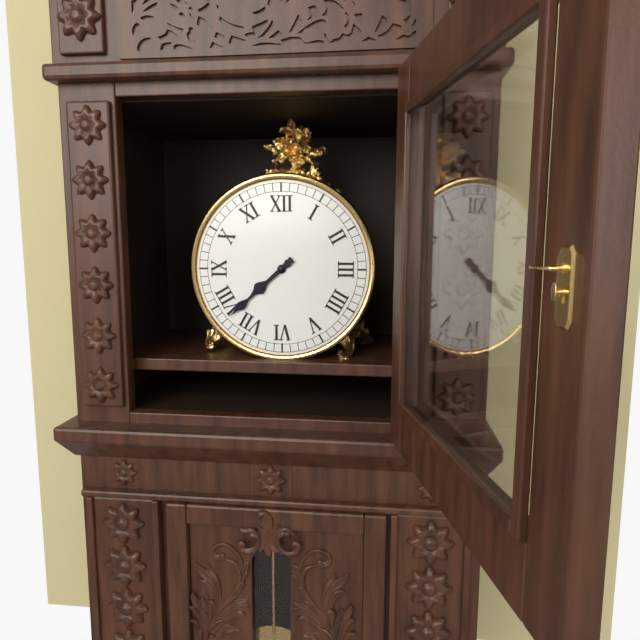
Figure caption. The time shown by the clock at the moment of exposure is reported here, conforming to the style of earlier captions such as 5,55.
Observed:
7,38
